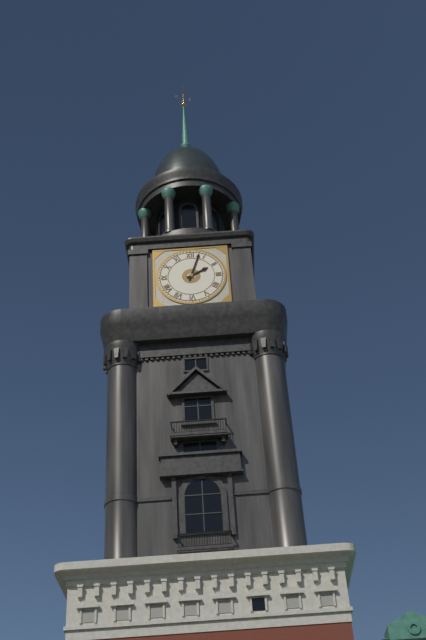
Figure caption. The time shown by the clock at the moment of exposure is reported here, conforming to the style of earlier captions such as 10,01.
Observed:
2,03
